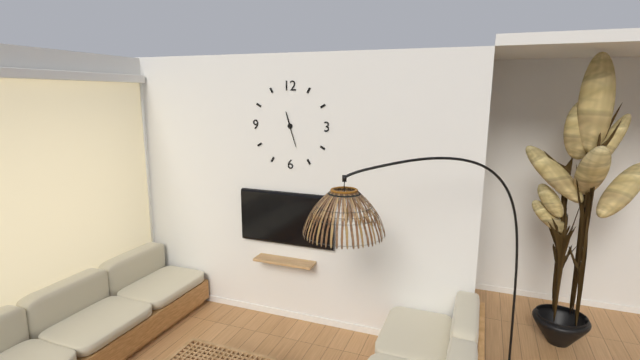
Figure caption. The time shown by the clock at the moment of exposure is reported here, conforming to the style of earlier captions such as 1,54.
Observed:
11,27
